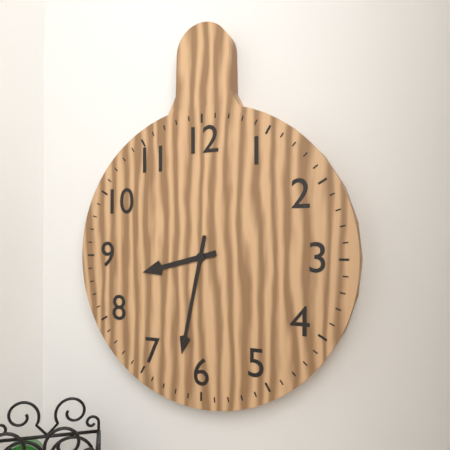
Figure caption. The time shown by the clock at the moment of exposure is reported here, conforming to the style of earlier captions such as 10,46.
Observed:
8,32
